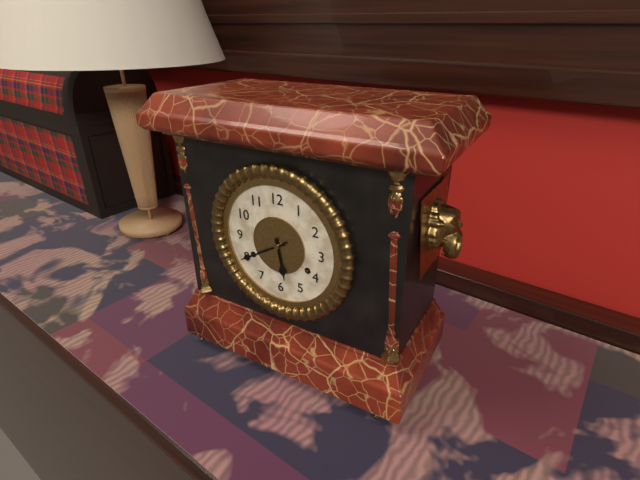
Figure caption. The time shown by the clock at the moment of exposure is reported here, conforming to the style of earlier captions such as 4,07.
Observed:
5,40
